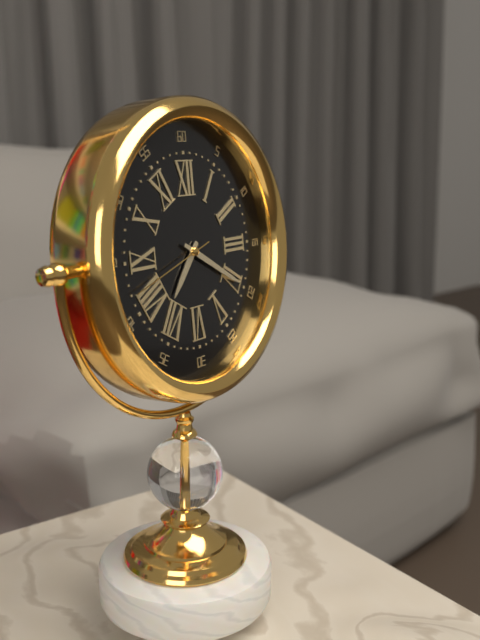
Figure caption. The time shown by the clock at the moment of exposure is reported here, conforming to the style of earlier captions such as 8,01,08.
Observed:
7,20,42
